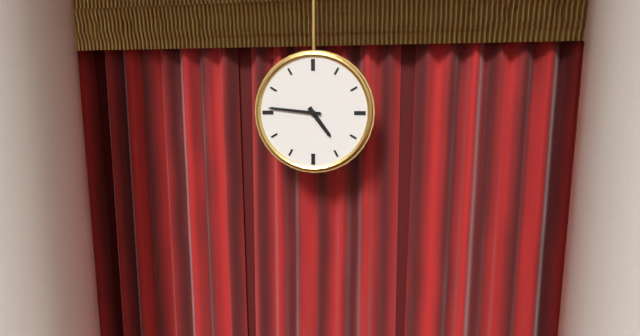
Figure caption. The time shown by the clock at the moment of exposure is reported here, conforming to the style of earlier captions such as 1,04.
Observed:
4,46
